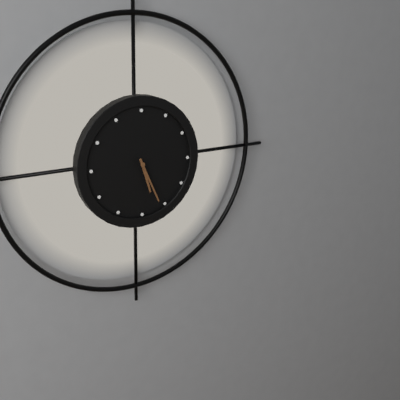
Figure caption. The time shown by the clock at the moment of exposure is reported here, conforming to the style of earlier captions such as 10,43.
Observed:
5,26
